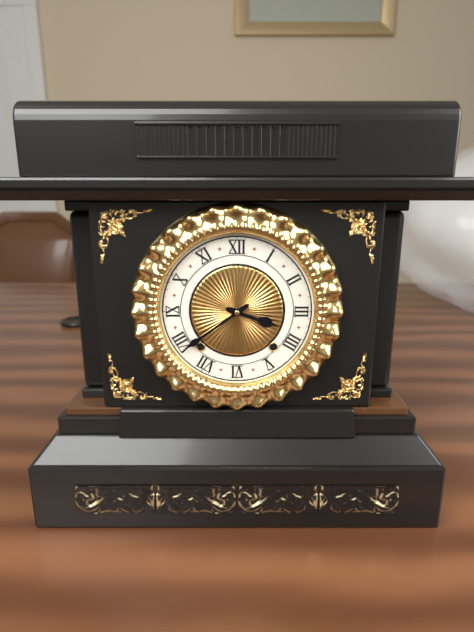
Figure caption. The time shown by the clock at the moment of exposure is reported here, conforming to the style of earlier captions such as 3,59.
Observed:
3,39
